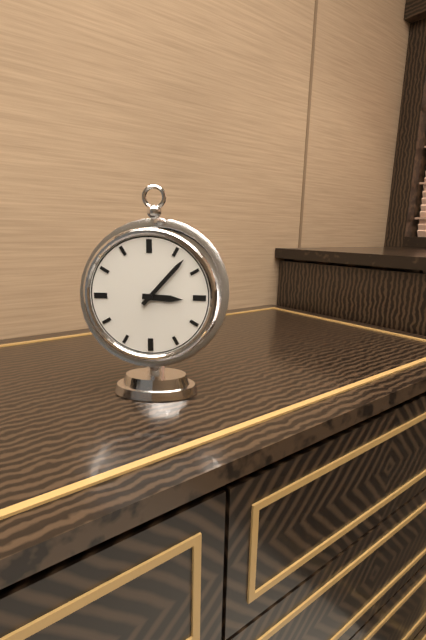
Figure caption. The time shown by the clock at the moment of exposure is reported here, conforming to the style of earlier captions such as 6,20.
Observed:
3,07
